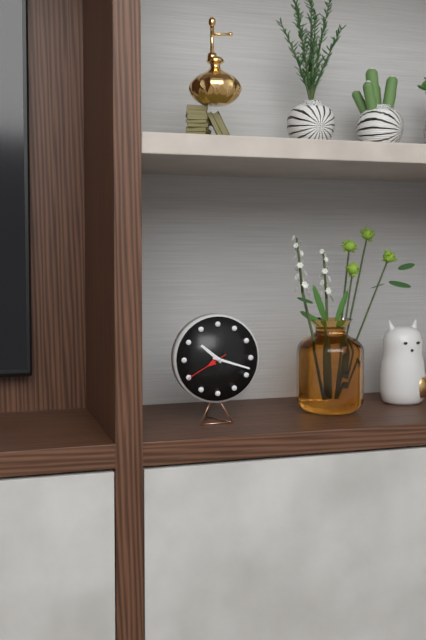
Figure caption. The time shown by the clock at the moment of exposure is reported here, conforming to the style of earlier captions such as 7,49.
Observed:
10,18
